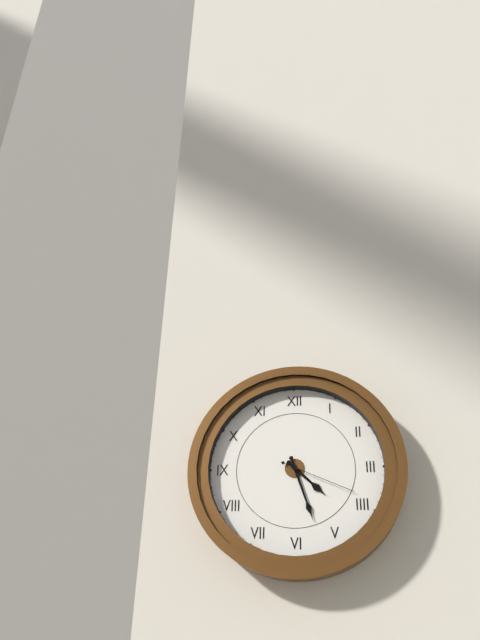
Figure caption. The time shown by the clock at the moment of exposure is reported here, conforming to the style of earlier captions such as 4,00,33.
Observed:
4,27,19
